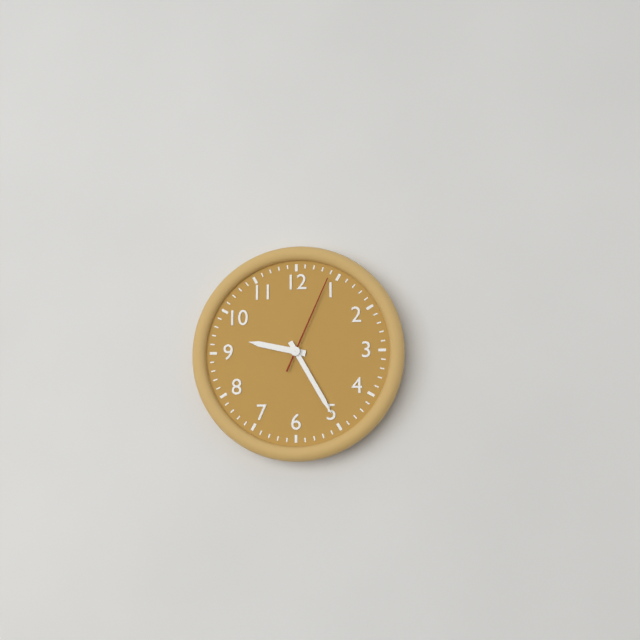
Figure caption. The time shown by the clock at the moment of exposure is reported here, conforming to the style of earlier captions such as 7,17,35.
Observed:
9,25,04
